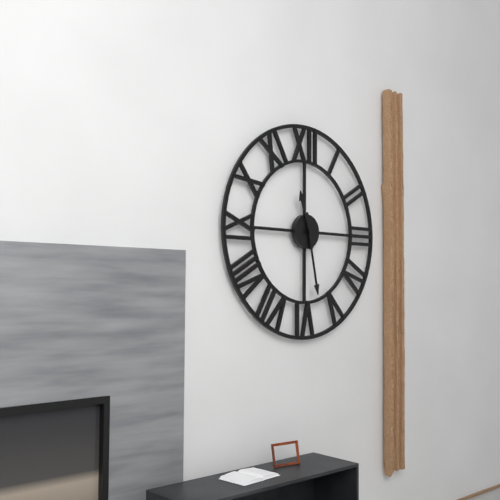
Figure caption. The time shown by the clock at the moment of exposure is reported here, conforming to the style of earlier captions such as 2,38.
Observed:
11,28
